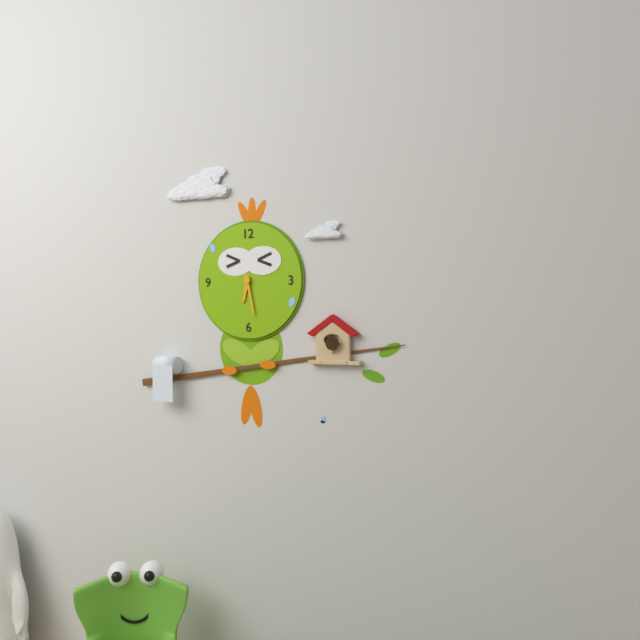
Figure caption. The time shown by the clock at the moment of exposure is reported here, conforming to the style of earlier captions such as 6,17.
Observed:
6,28
